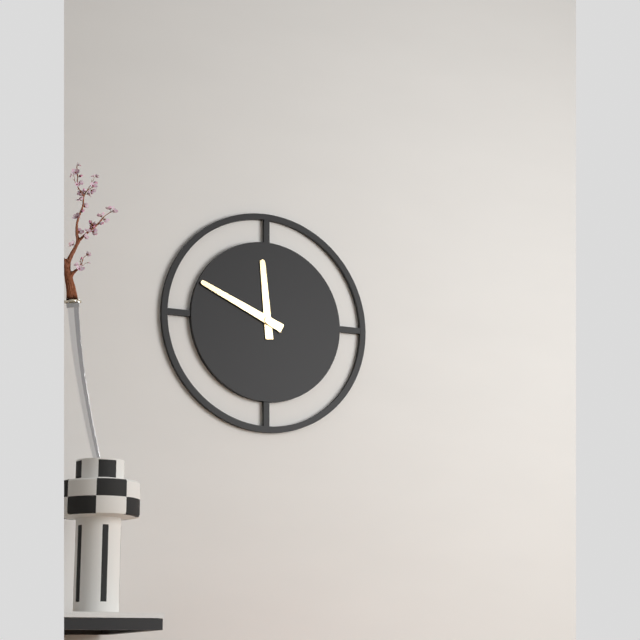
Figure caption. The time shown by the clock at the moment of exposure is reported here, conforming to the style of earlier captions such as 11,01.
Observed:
11,49
